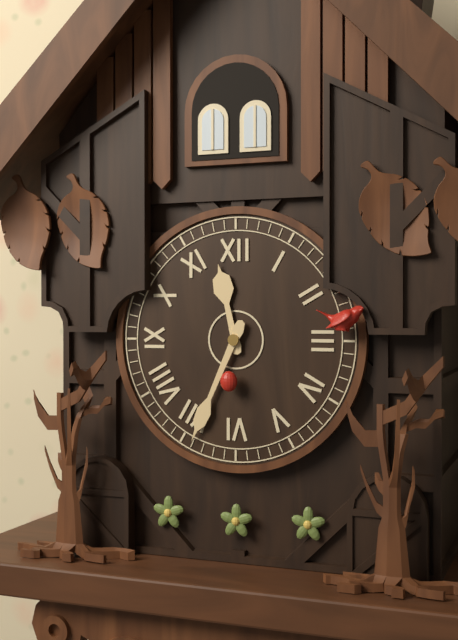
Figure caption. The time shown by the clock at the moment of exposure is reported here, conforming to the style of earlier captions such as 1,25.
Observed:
11,34
